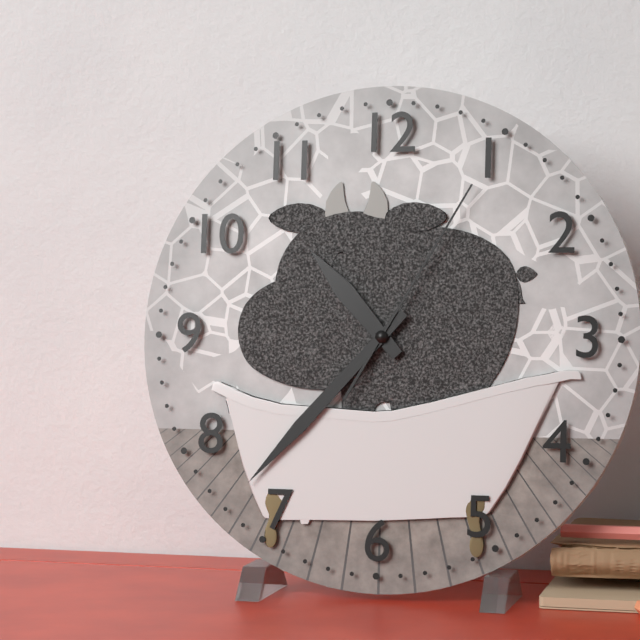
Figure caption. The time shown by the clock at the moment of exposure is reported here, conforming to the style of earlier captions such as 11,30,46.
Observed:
10,37,05
